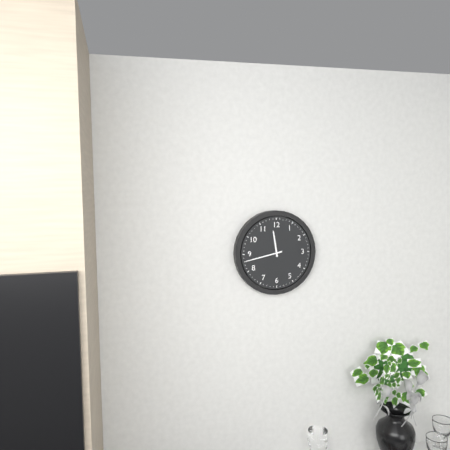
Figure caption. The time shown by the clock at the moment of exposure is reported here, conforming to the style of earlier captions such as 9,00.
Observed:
11,43
